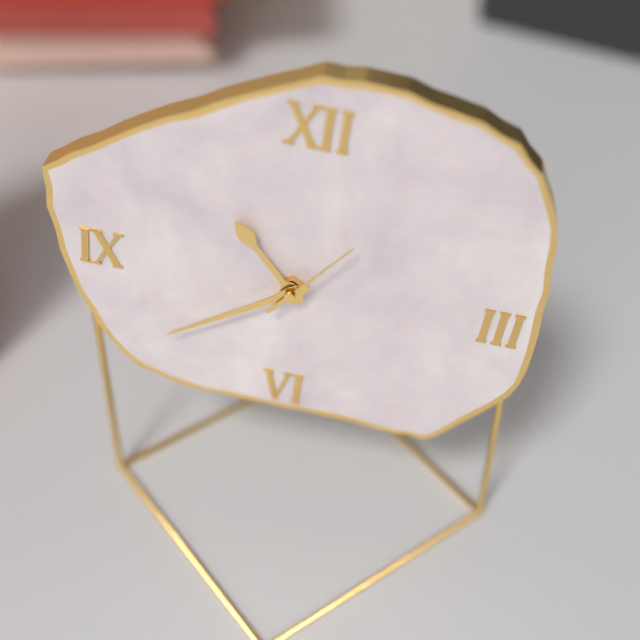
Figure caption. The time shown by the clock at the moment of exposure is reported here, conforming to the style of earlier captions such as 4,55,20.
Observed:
10,39,06
